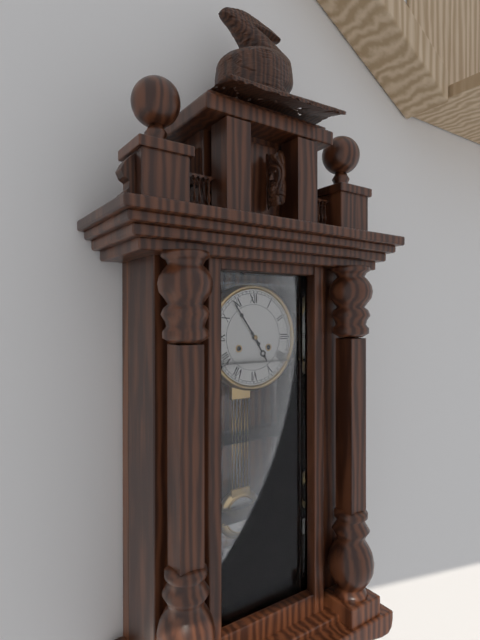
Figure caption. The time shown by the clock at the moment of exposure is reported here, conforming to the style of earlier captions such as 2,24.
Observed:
4,54
